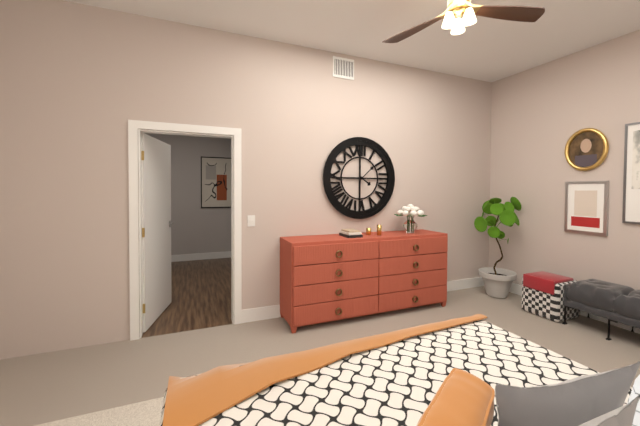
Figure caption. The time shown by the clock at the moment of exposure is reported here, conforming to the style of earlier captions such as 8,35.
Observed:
4,08
